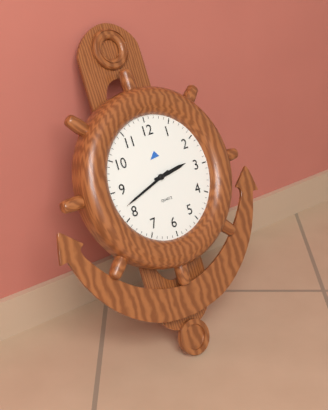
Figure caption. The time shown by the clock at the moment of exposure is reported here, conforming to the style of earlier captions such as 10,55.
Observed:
2,42
